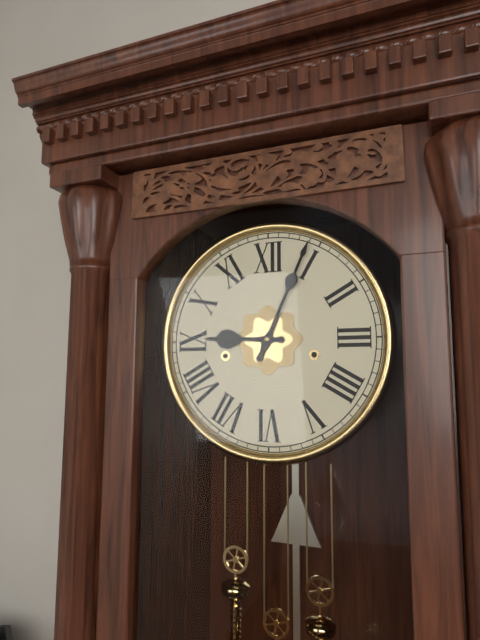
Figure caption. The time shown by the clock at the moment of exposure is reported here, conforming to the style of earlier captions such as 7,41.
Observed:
9,04
